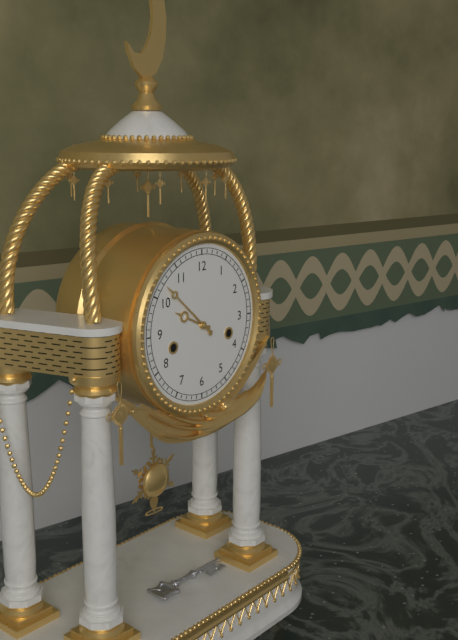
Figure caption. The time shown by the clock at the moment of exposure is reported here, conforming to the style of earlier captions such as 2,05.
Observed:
9,52
